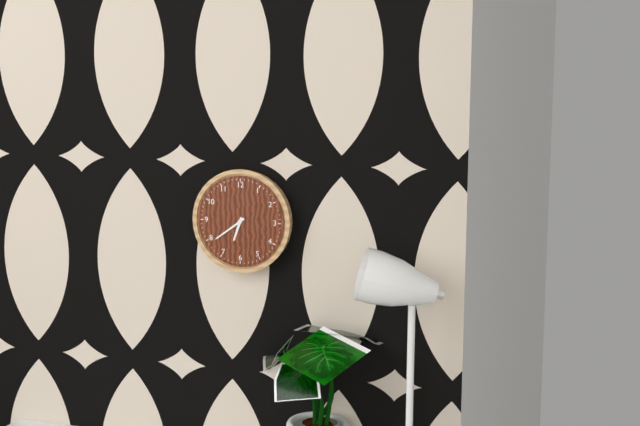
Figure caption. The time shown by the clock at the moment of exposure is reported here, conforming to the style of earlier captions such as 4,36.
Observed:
6,39
